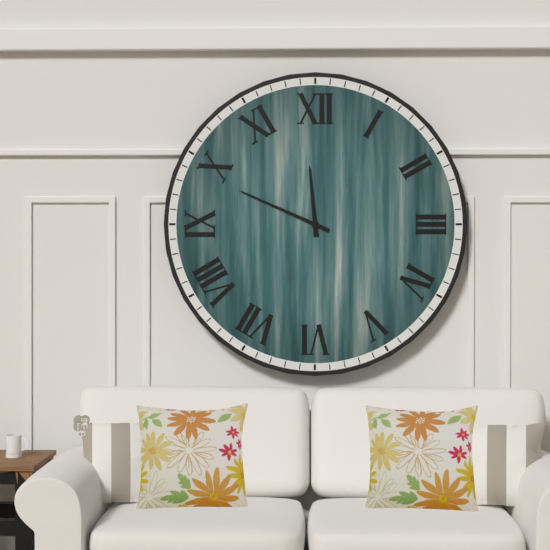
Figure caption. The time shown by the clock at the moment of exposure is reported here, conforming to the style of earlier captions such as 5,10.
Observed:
11,49
